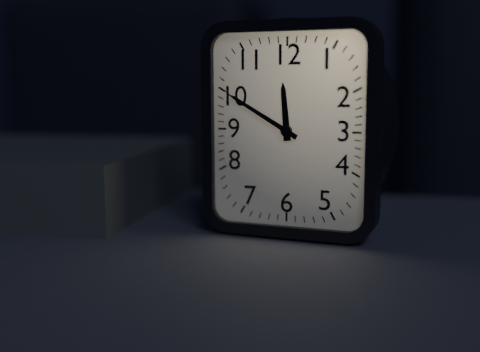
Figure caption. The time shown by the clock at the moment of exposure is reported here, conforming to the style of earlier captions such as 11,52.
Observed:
11,50
